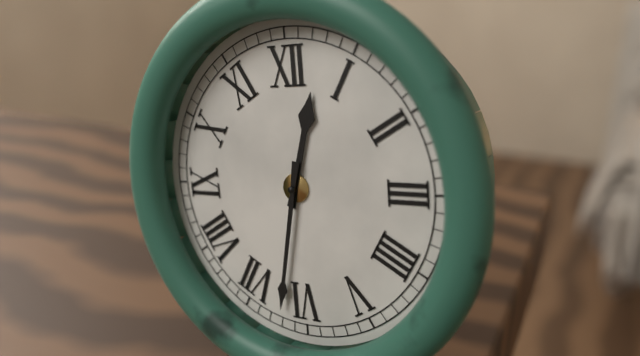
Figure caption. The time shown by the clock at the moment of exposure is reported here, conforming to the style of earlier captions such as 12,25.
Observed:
12,32
